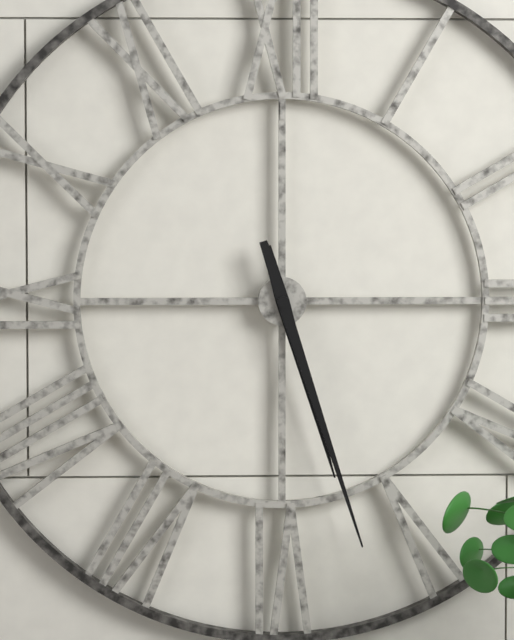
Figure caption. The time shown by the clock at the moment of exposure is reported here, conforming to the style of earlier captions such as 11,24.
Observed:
5,27
